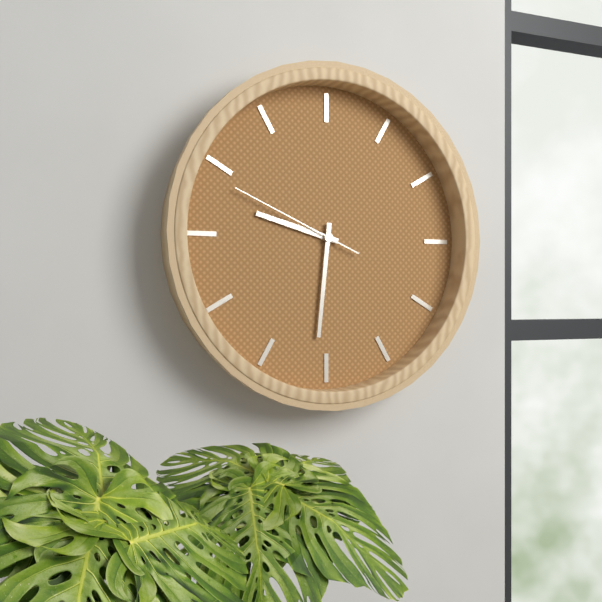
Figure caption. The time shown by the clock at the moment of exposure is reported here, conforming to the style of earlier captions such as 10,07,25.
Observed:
9,31,49
